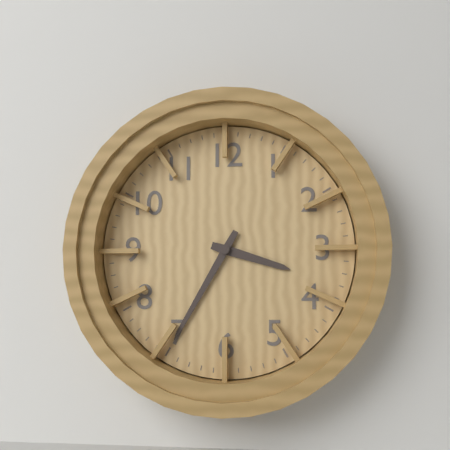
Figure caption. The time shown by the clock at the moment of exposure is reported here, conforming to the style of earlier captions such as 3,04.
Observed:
3,35
